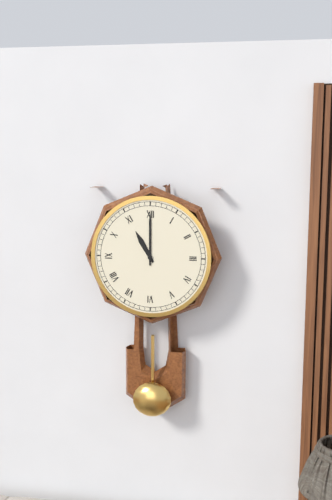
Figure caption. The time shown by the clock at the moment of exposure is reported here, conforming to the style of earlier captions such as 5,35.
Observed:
11,00
